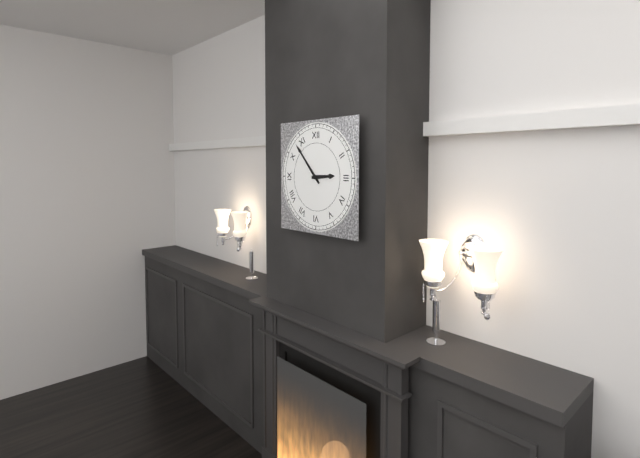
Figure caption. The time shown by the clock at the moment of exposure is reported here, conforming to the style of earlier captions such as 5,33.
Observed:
2,53
